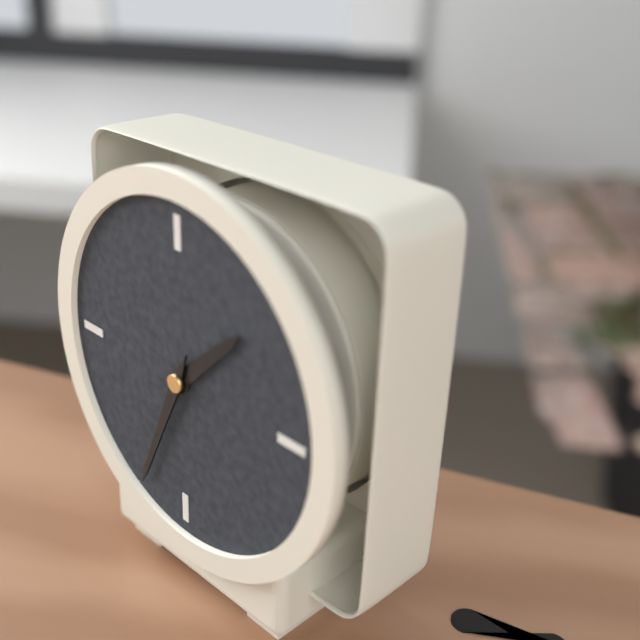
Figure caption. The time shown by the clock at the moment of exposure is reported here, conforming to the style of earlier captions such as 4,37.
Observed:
1,34
